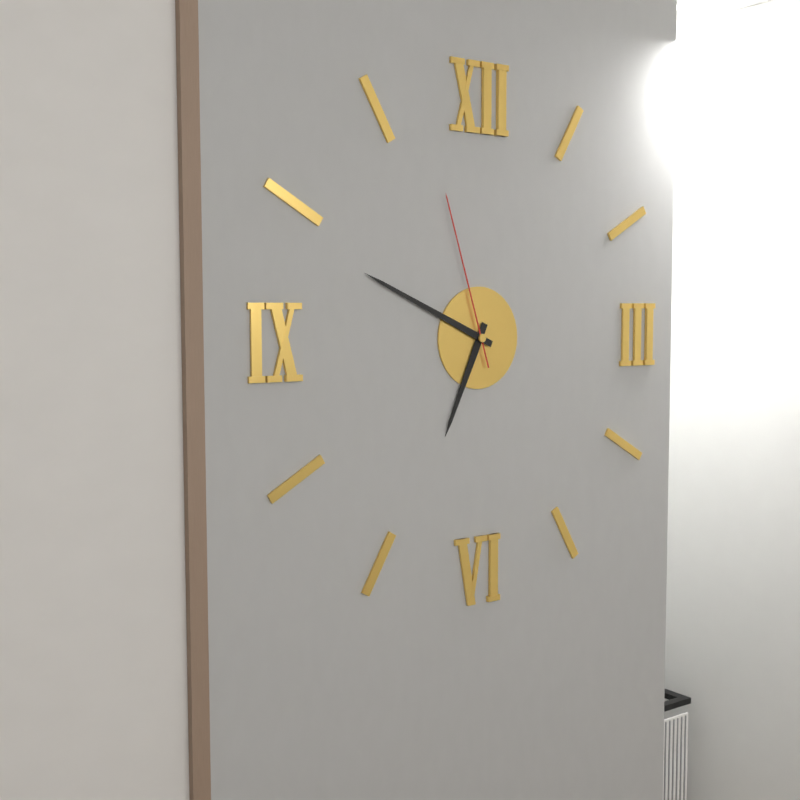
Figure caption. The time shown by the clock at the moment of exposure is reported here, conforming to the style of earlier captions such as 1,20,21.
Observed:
6,49,57
